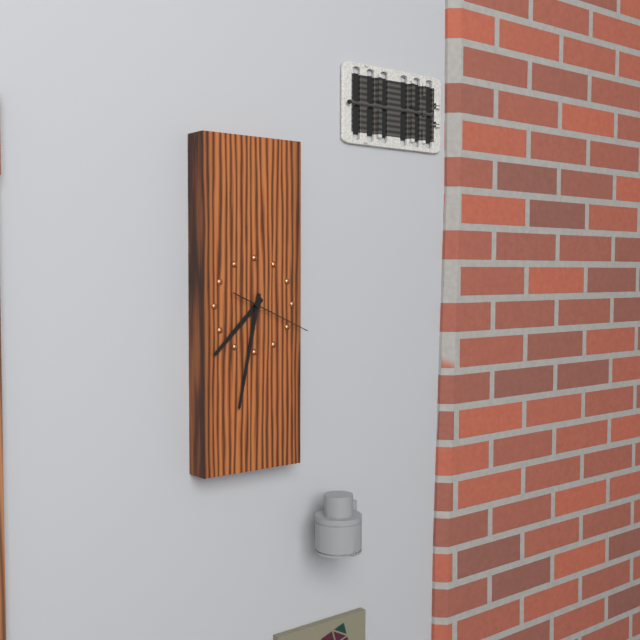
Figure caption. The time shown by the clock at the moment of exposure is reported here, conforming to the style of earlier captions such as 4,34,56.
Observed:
7,32,19
